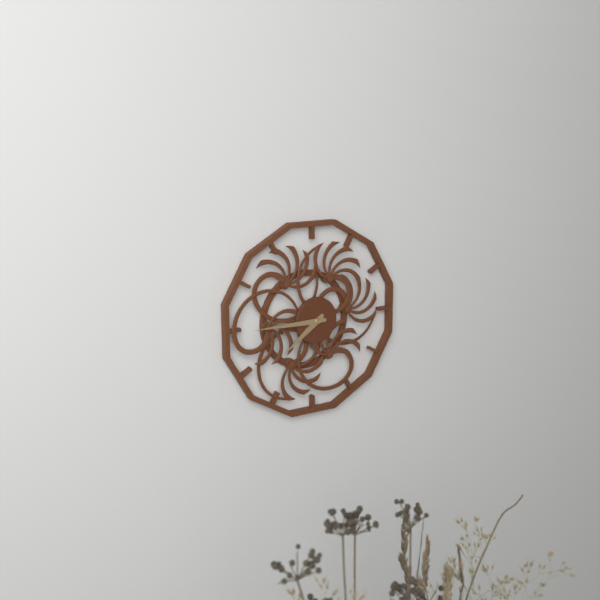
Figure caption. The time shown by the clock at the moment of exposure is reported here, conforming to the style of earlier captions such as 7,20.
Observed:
7,45
